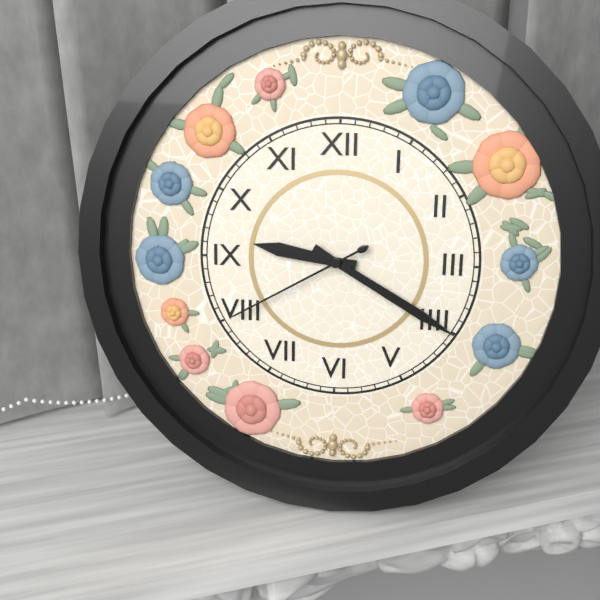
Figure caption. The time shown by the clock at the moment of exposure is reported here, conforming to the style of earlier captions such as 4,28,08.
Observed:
9,20,40
